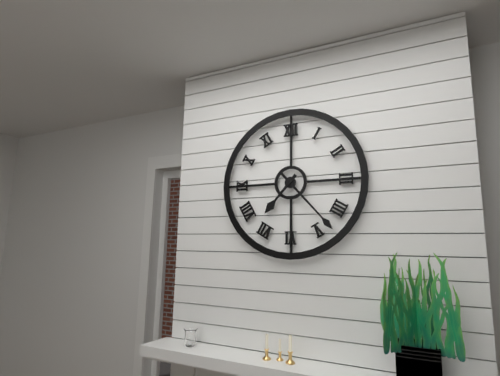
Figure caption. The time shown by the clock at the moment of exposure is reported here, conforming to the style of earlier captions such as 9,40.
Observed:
7,23
